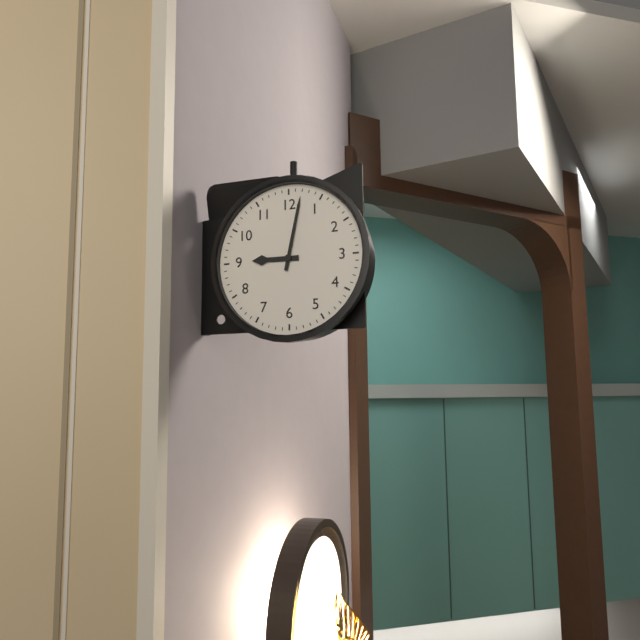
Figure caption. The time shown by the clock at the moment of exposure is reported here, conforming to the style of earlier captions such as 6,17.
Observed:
9,02
